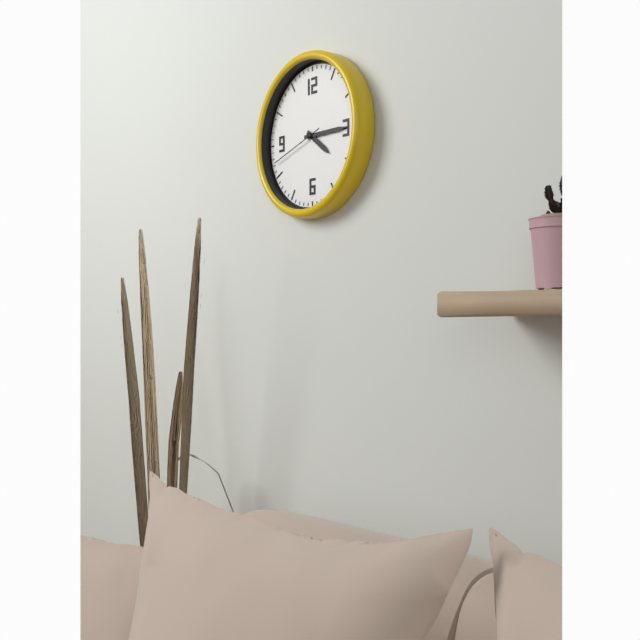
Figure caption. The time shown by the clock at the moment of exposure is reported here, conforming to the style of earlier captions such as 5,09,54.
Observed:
4,15,42
